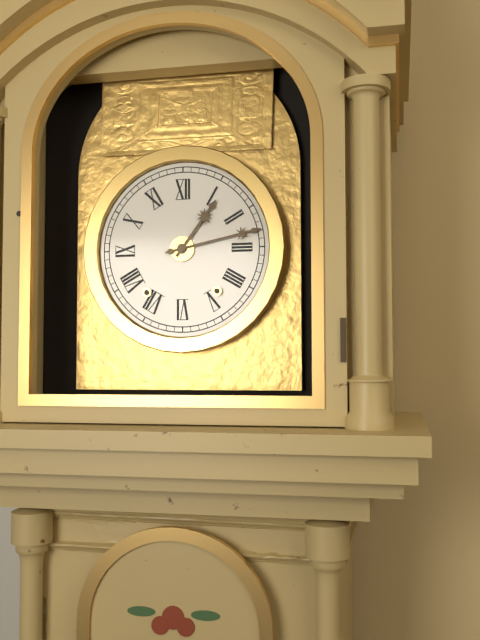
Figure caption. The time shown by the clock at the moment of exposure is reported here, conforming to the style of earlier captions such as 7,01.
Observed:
1,13
